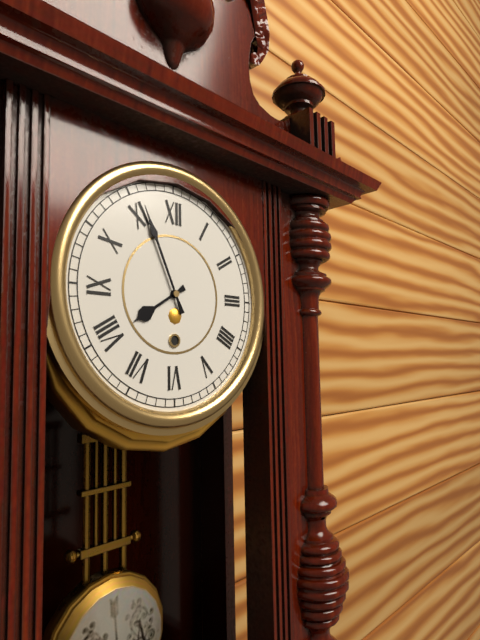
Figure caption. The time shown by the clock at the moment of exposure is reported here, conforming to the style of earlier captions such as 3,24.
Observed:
7,56
